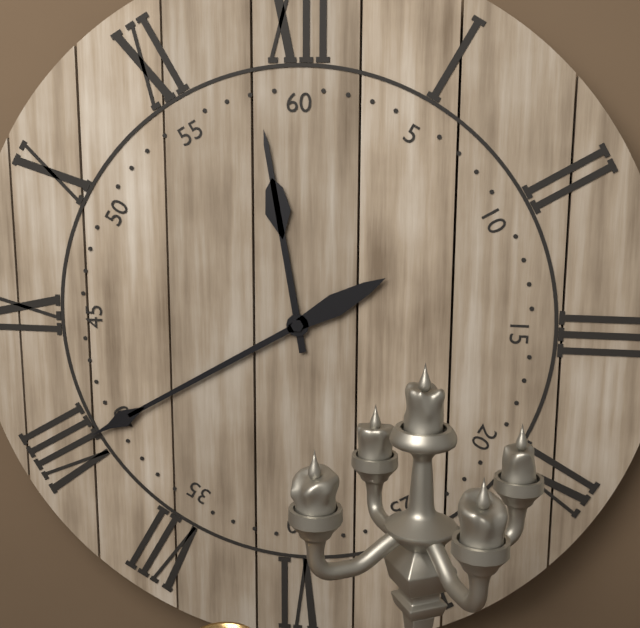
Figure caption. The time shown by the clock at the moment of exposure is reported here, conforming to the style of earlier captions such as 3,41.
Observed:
11,40
